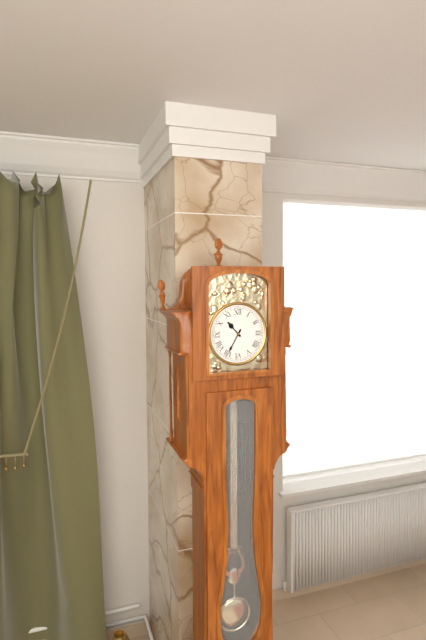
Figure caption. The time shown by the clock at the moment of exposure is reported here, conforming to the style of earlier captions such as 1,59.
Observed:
10,35
